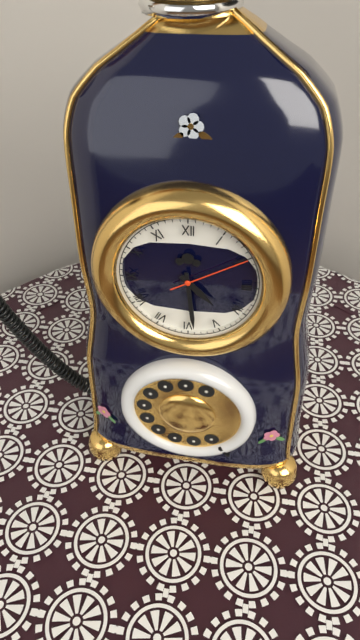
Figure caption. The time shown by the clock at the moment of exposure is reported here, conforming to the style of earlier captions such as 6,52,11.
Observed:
4,29,10
